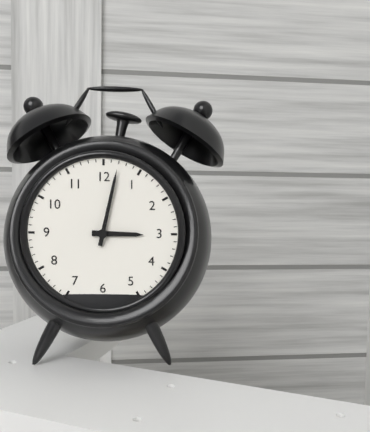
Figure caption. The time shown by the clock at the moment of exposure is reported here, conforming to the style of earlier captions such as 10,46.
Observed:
3,02
